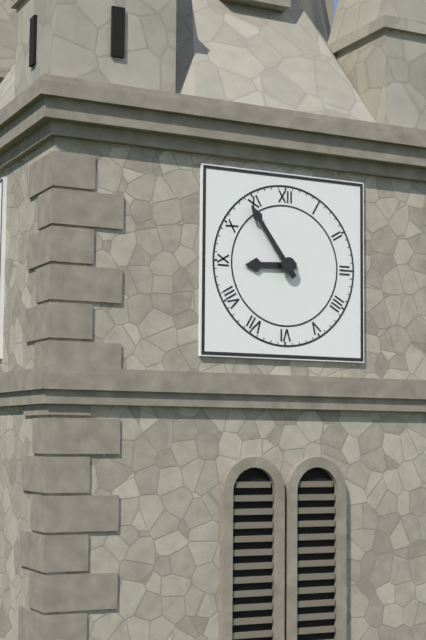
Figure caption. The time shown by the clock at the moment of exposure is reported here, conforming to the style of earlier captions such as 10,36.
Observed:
8,54
